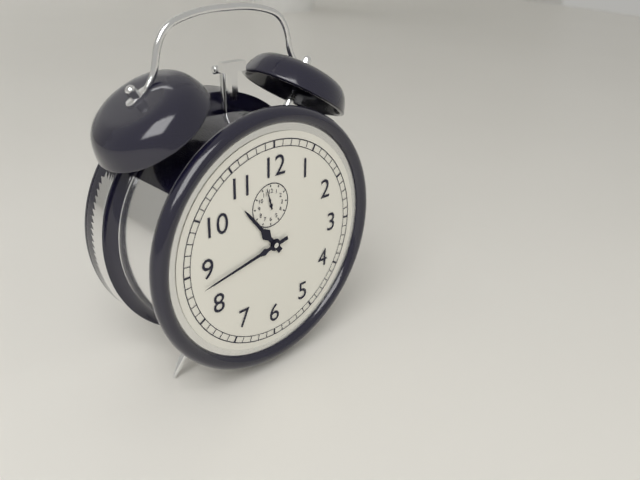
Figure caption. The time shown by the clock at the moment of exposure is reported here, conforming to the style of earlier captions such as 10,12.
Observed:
10,43
